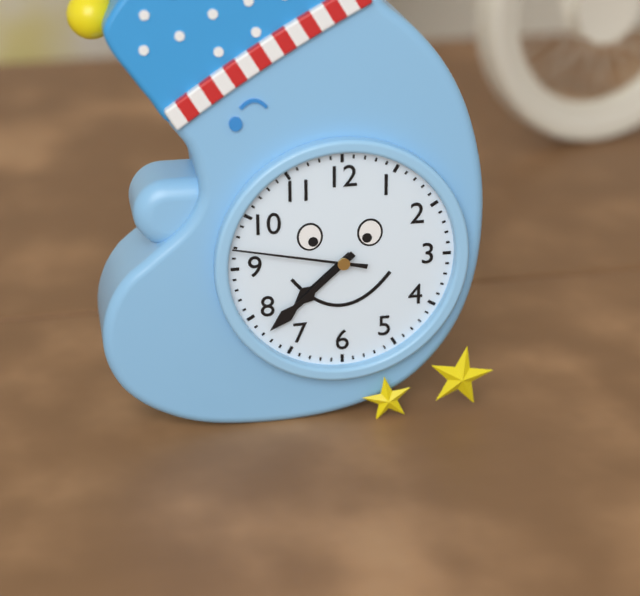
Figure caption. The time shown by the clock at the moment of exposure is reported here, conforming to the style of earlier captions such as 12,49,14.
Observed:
7,38,47
